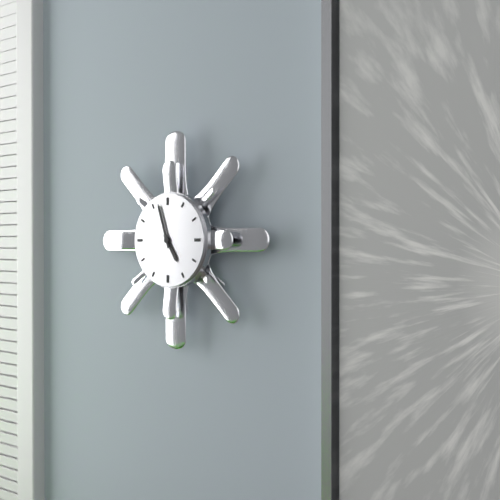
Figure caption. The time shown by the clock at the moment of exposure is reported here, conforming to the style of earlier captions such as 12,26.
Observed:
4,57
